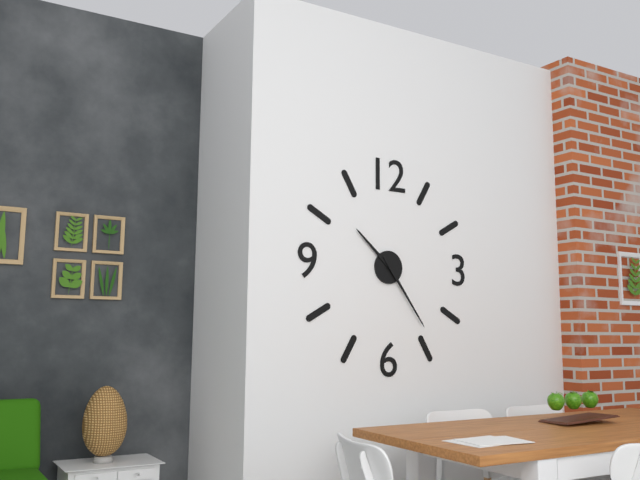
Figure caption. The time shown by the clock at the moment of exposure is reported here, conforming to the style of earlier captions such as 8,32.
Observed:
10,24
